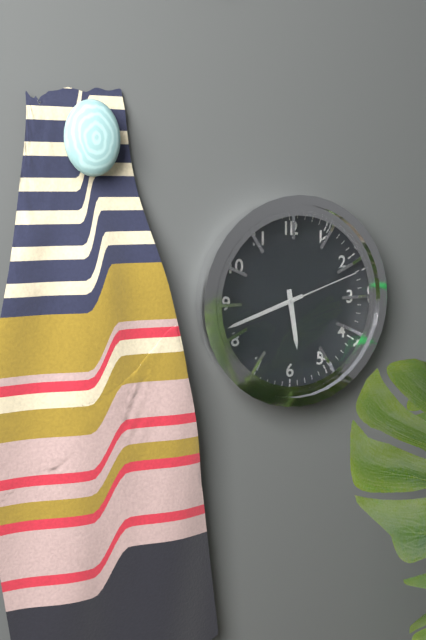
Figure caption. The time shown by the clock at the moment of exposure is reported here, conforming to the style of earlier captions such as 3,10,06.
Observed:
5,42,12
